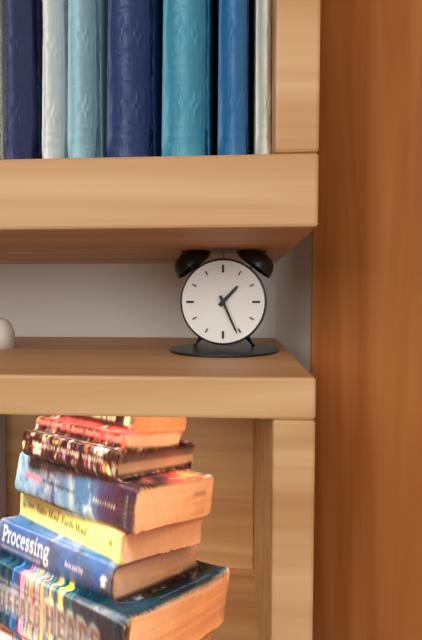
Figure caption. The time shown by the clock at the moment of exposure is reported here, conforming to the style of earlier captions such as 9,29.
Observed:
1,26
